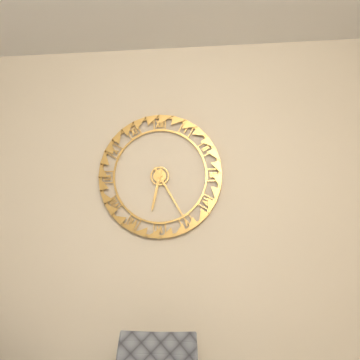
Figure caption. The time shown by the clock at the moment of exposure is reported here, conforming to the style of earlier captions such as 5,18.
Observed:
6,25
